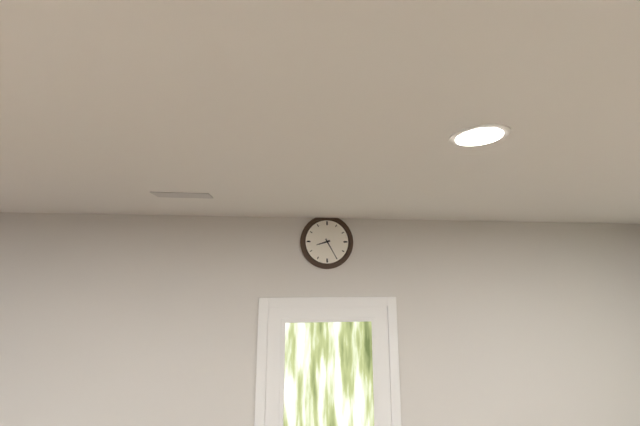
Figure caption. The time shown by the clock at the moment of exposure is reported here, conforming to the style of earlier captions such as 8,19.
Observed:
8,25
